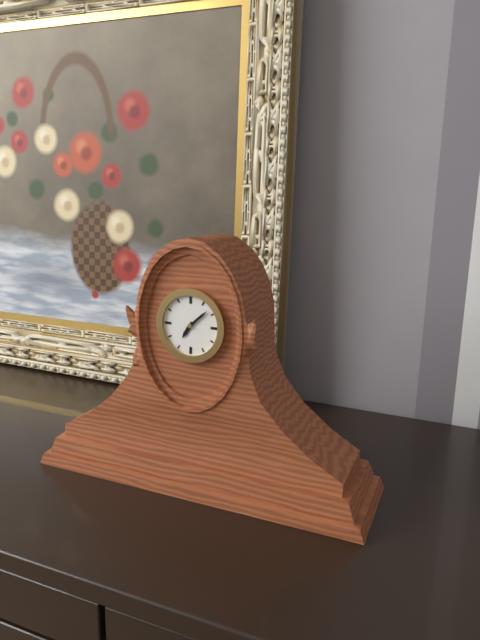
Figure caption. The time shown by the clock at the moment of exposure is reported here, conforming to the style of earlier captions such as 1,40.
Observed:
7,08
